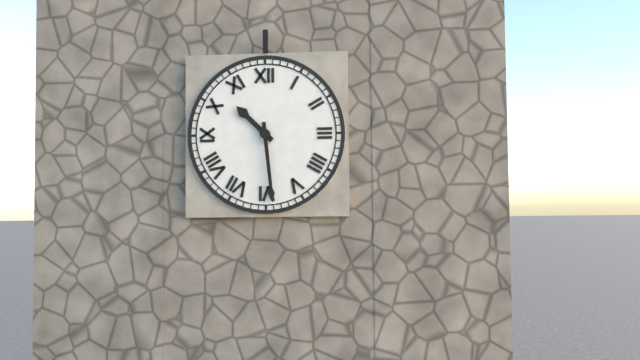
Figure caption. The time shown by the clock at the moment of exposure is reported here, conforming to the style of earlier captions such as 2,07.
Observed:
10,29
